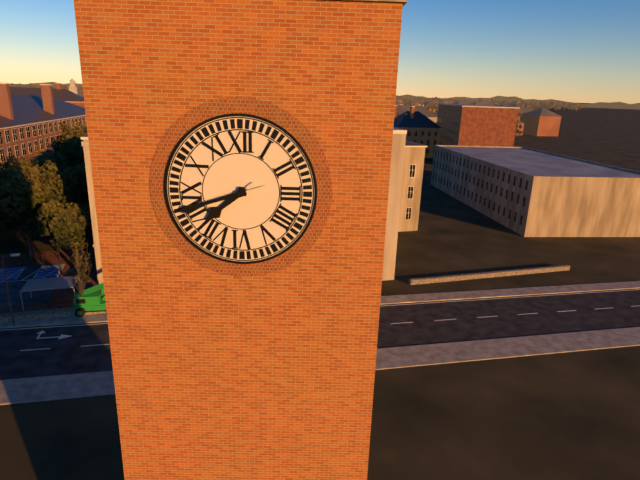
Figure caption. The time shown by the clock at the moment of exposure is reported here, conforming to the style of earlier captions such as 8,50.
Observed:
7,42
